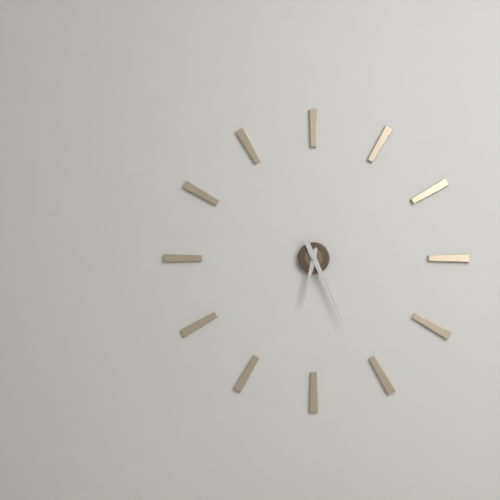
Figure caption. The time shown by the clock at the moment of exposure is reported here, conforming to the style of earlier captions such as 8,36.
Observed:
6,26
